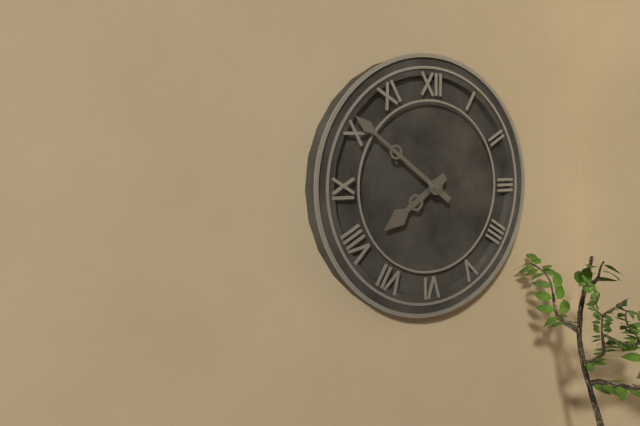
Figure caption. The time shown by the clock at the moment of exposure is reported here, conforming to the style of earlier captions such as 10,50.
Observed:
7,51
